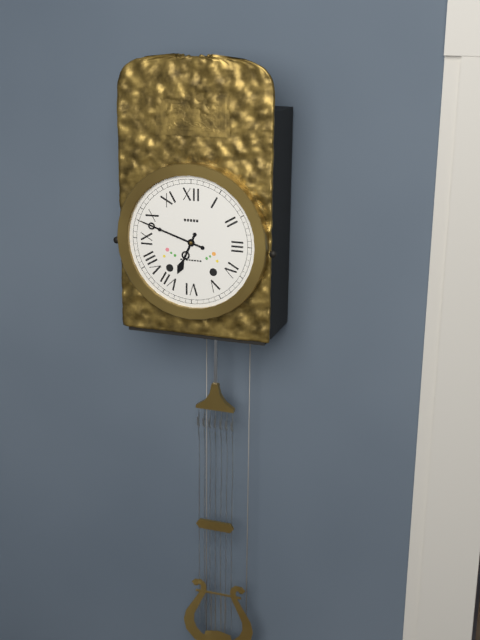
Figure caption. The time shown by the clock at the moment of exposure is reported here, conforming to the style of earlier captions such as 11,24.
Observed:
6,48
